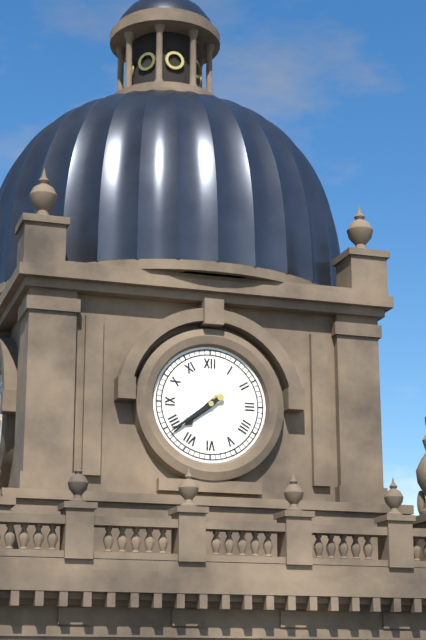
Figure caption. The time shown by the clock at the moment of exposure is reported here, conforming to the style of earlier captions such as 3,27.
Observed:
7,39
